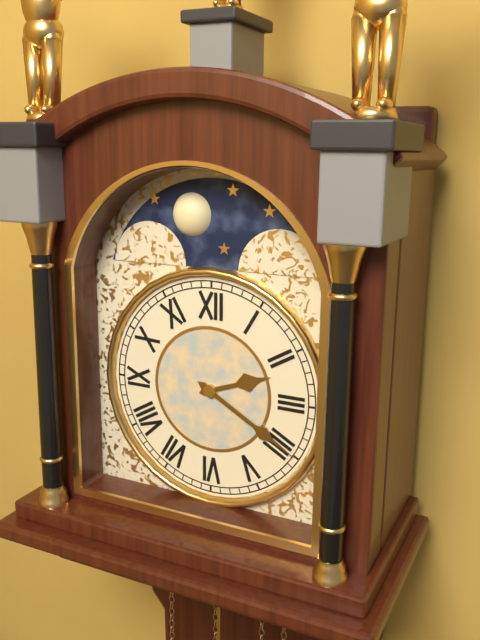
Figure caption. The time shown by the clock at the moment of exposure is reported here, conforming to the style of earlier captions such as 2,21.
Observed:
2,20
